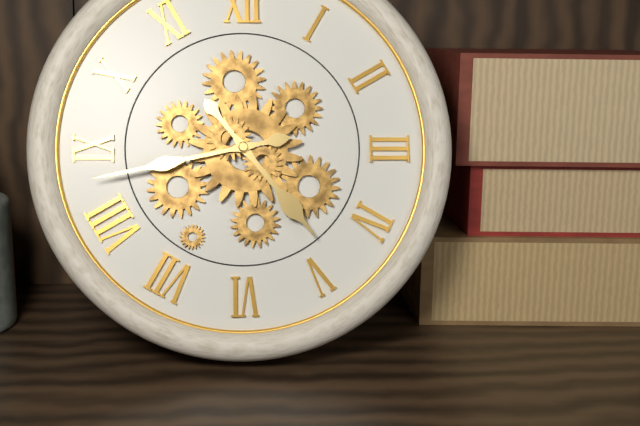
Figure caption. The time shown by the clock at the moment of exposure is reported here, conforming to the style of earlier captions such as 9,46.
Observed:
4,43
